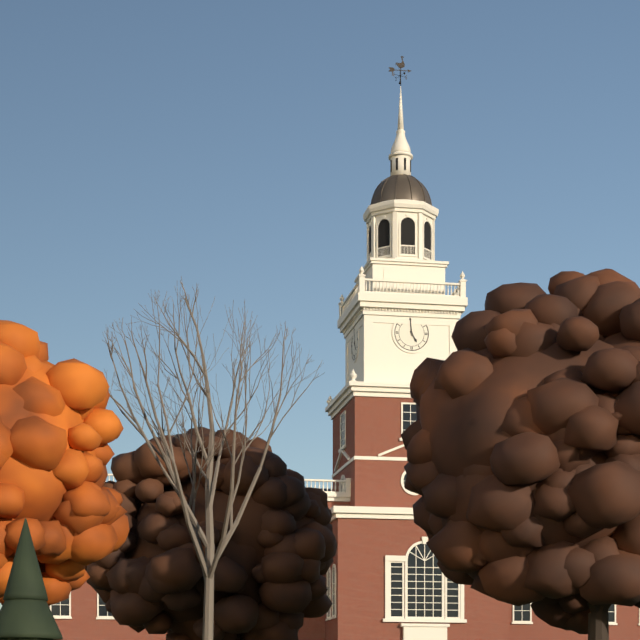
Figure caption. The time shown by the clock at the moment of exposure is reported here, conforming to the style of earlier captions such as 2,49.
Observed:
4,59
